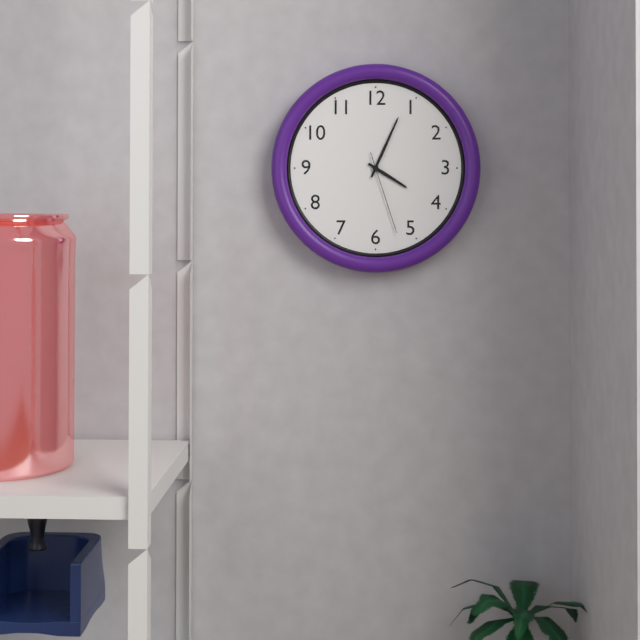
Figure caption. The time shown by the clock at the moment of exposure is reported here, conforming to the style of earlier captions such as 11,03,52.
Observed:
4,04,27
